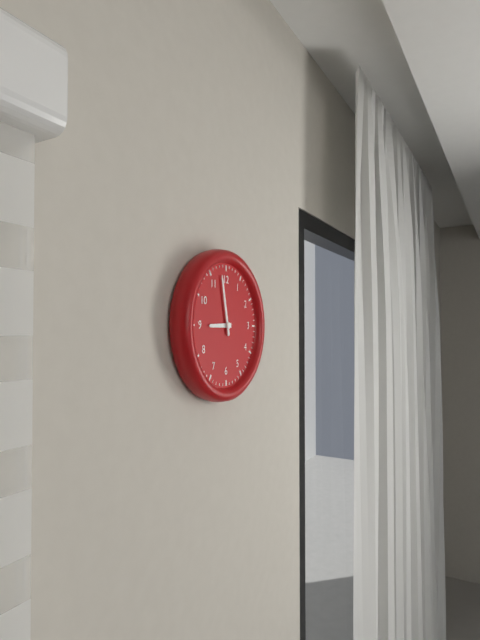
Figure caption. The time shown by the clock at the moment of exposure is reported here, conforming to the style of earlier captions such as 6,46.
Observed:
8,58
